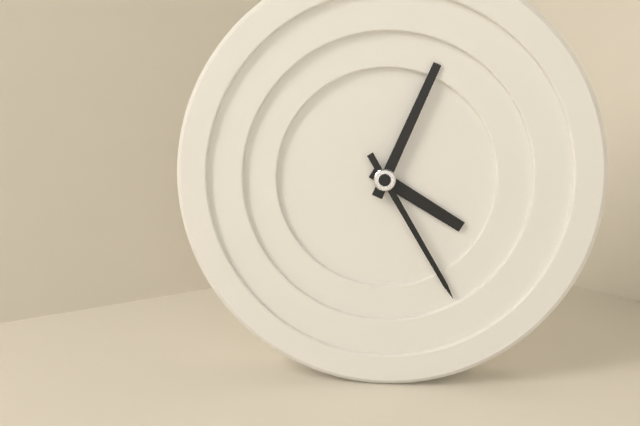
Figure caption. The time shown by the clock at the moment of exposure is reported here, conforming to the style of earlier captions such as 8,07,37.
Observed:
4,04,25
